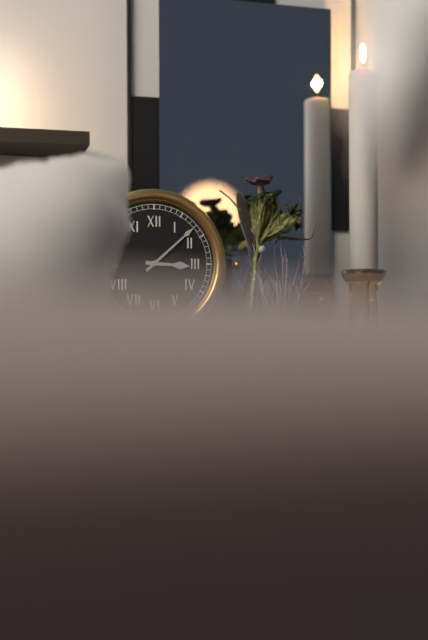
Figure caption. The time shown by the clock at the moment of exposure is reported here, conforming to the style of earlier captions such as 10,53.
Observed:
3,08
